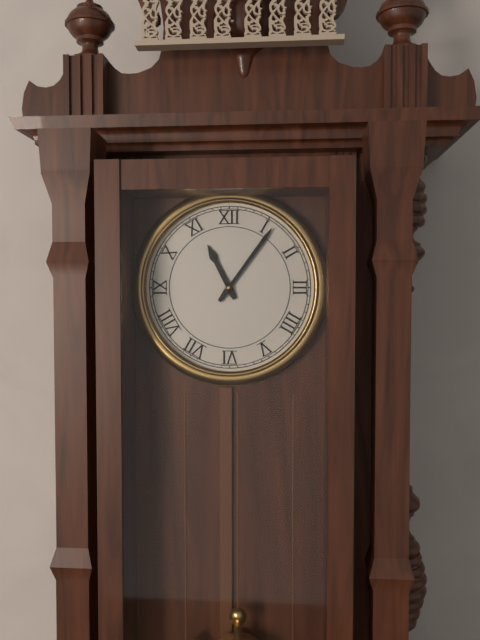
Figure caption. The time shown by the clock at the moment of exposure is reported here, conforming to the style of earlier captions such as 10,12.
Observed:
11,06
